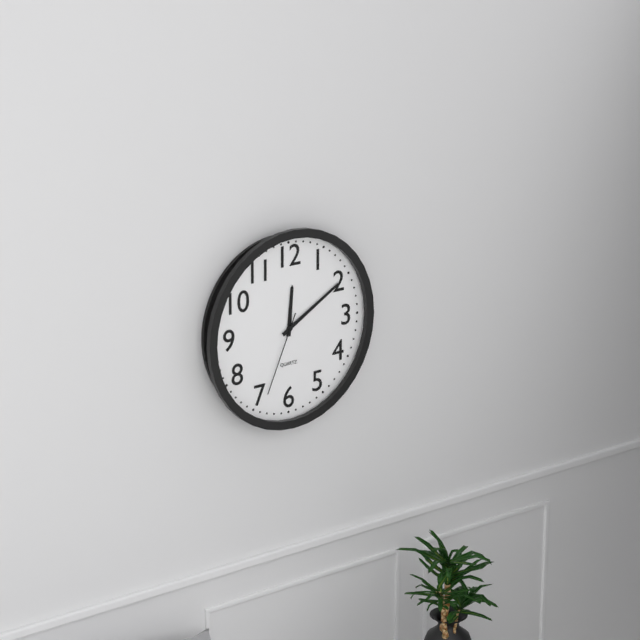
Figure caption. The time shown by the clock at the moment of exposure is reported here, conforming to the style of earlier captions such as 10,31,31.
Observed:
12,10,34
